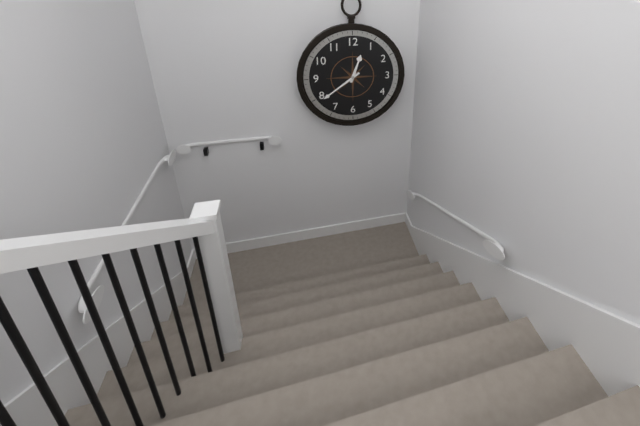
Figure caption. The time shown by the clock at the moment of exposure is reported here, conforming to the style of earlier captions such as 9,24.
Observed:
12,39
